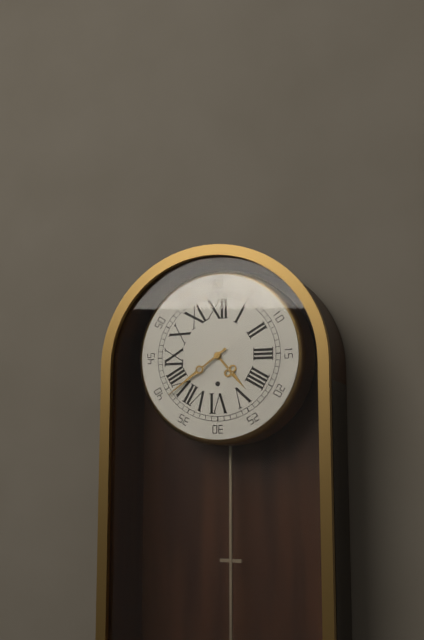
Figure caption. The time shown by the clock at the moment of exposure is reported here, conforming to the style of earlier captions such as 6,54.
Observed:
4,39
